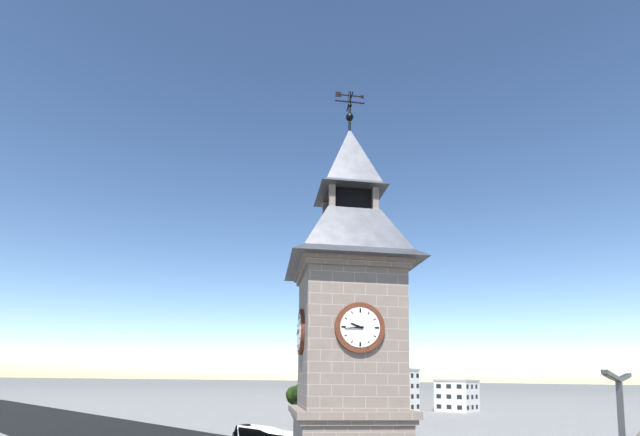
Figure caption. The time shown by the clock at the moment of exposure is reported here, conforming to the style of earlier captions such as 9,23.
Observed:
9,44
